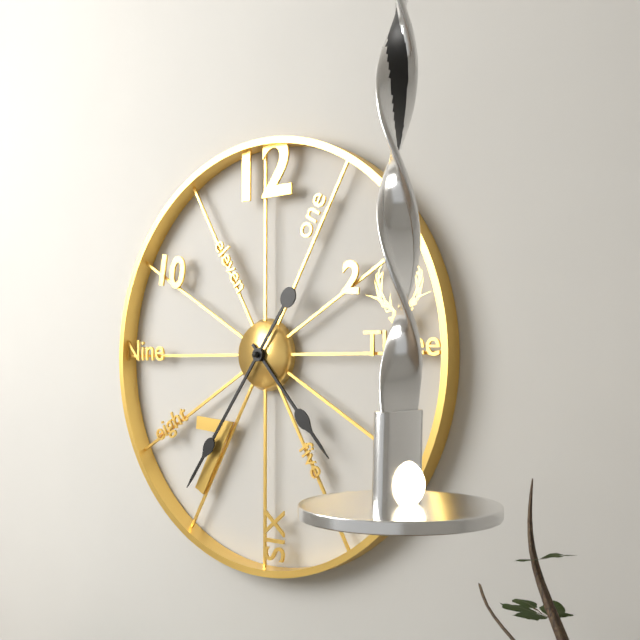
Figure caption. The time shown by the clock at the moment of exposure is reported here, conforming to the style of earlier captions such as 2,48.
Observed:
4,36
